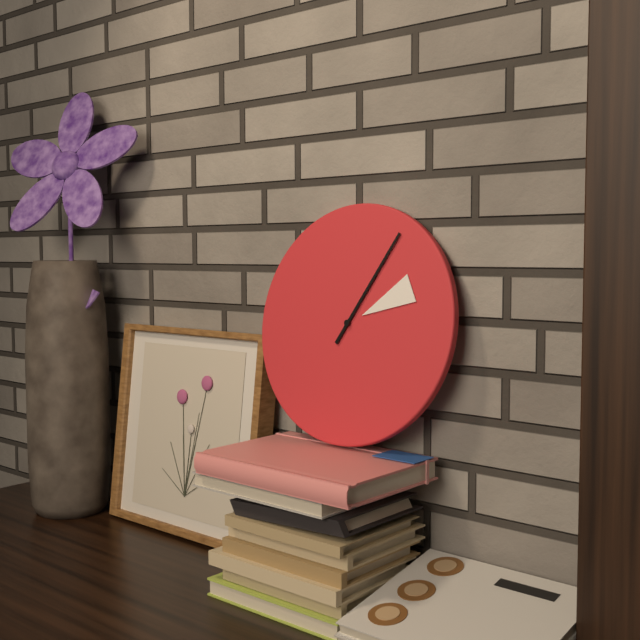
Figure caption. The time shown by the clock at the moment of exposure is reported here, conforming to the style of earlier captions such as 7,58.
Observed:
2,05
